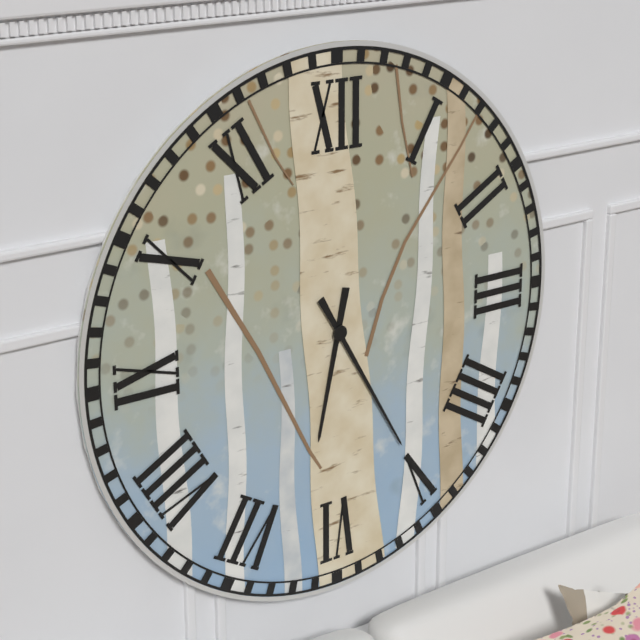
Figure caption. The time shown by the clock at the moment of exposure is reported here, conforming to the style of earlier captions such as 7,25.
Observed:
6,25
